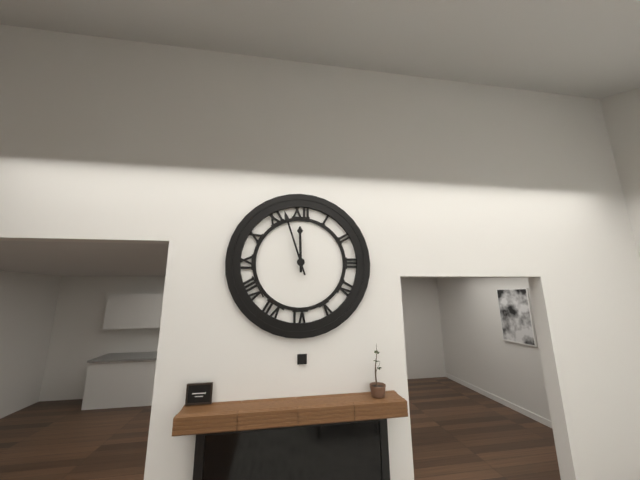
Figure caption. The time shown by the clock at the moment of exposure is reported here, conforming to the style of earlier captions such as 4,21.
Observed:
11,57
